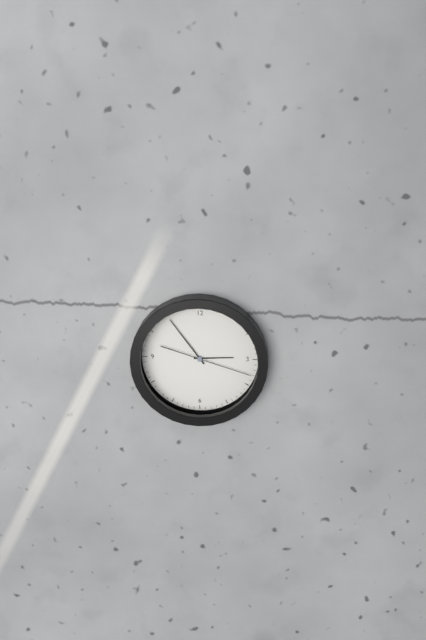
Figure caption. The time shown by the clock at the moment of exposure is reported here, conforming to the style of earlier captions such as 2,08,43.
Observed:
2,54,18
